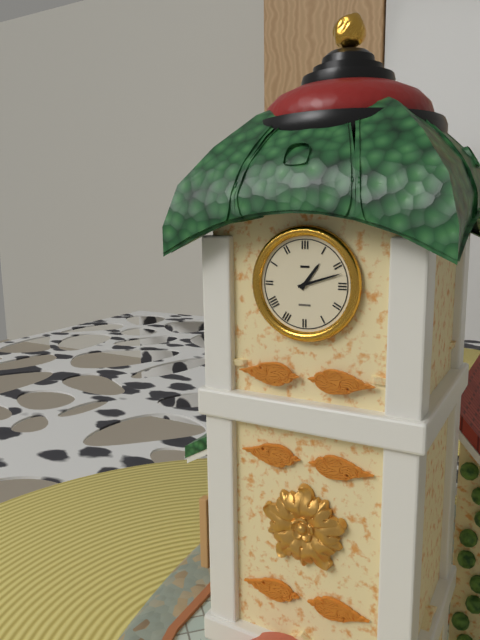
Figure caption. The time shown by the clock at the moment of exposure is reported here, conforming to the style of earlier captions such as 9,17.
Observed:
1,12
